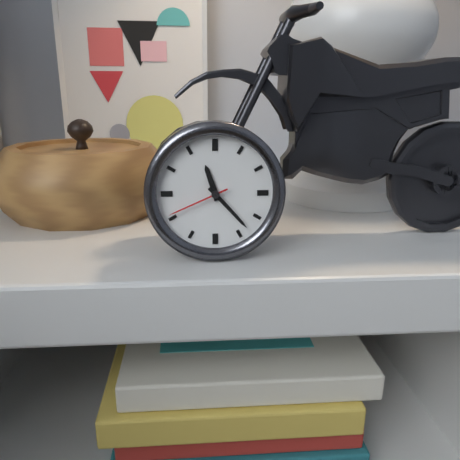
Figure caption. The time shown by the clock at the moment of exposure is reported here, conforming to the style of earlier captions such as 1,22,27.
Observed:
11,23,41
